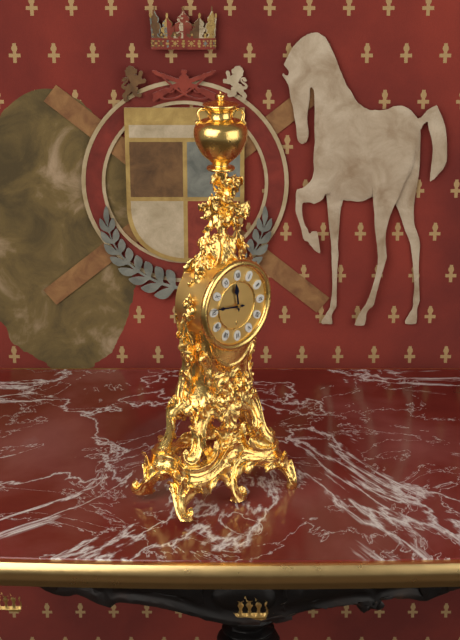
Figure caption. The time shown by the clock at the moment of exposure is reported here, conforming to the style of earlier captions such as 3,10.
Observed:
11,46
